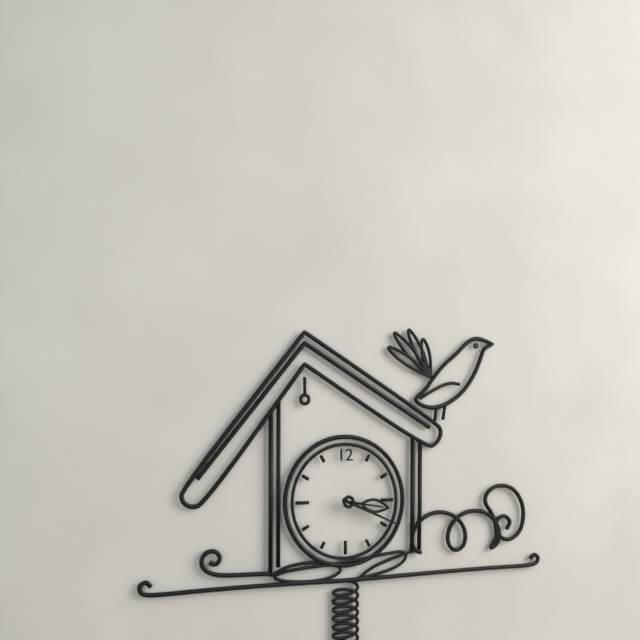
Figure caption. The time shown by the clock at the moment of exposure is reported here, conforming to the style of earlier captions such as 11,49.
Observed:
3,19
